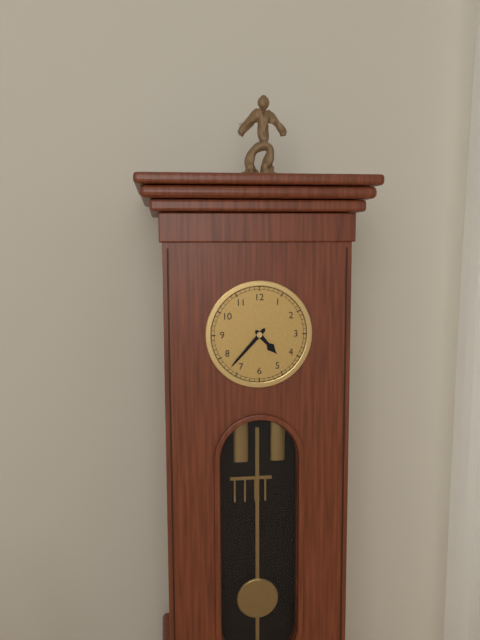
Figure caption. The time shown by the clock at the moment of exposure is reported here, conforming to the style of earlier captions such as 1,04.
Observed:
4,37
